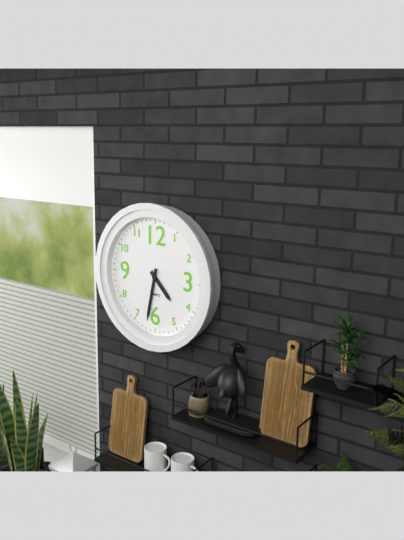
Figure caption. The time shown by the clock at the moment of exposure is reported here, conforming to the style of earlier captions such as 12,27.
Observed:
4,32
